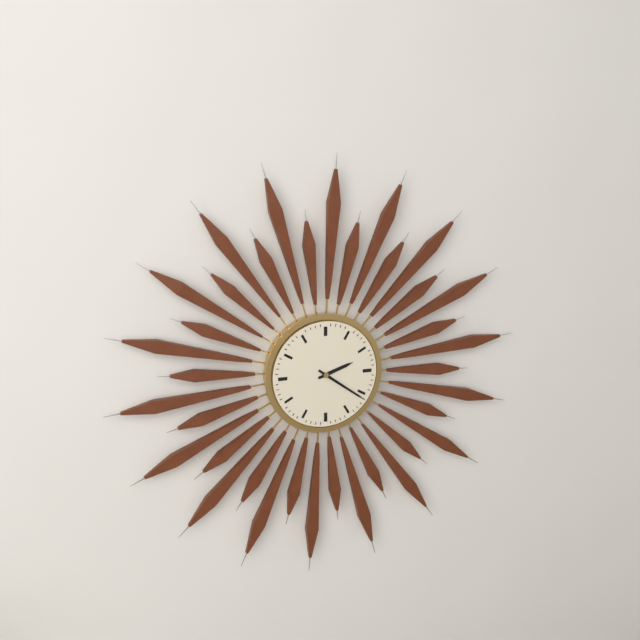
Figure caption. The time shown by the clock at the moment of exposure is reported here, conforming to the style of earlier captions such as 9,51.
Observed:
2,21
